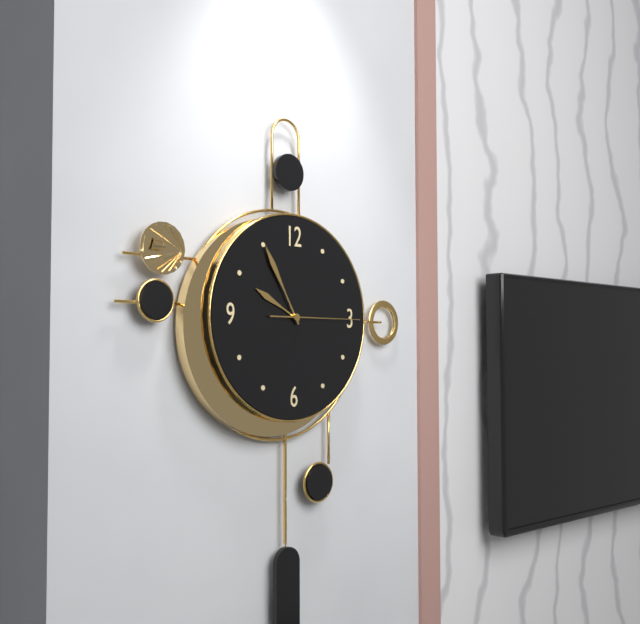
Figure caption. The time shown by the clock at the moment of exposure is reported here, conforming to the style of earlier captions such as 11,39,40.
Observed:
9,55,15
